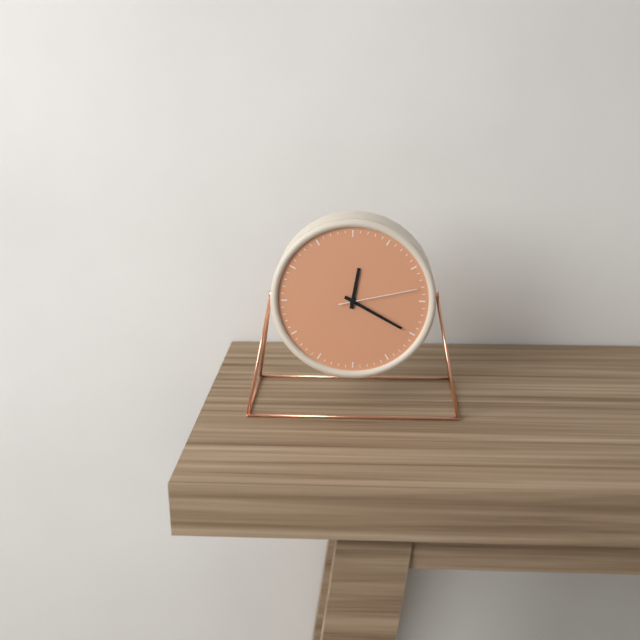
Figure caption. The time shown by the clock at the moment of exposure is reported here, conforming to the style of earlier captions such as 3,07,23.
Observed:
12,20,13
